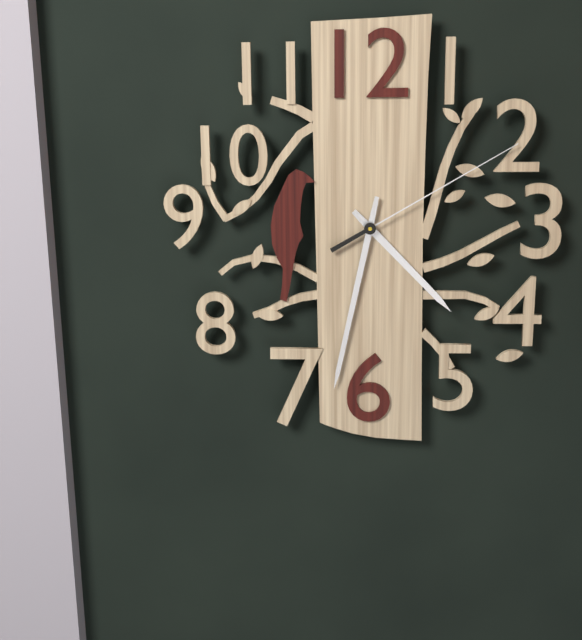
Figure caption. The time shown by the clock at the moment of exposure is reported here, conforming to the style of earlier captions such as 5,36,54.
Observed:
4,32,10
